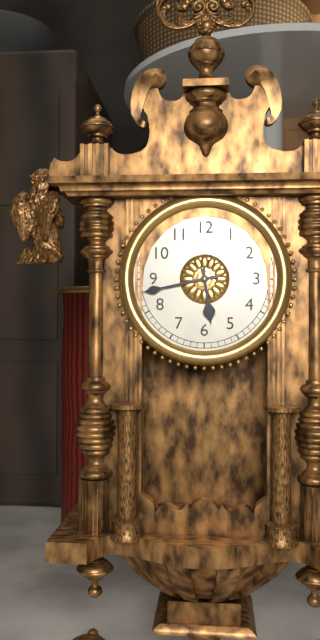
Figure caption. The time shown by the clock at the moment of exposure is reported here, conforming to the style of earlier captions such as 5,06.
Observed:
5,43
